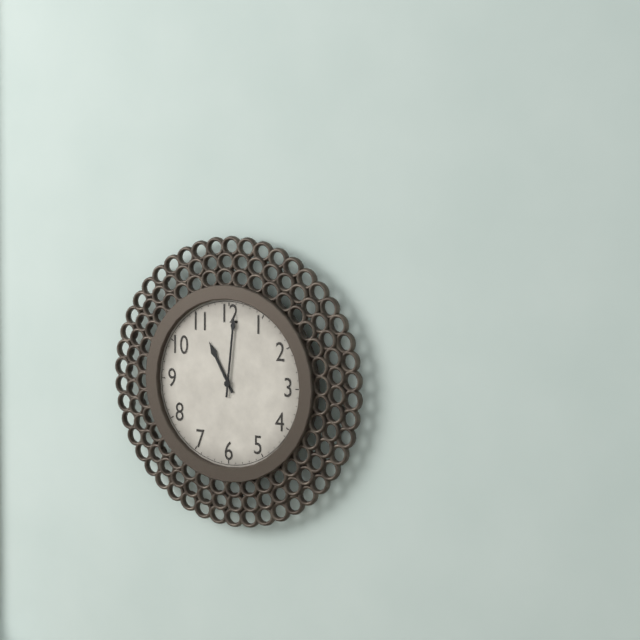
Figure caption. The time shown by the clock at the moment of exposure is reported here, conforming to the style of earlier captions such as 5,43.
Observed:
11,01
